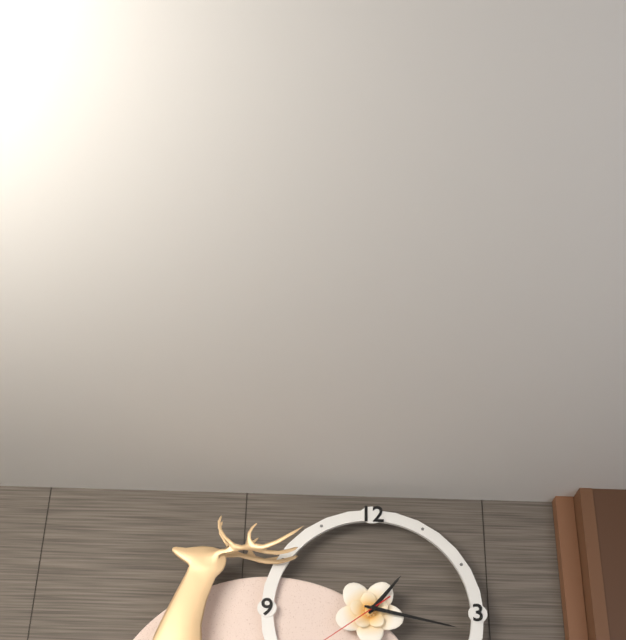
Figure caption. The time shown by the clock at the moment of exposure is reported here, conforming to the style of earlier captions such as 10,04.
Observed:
1,17
